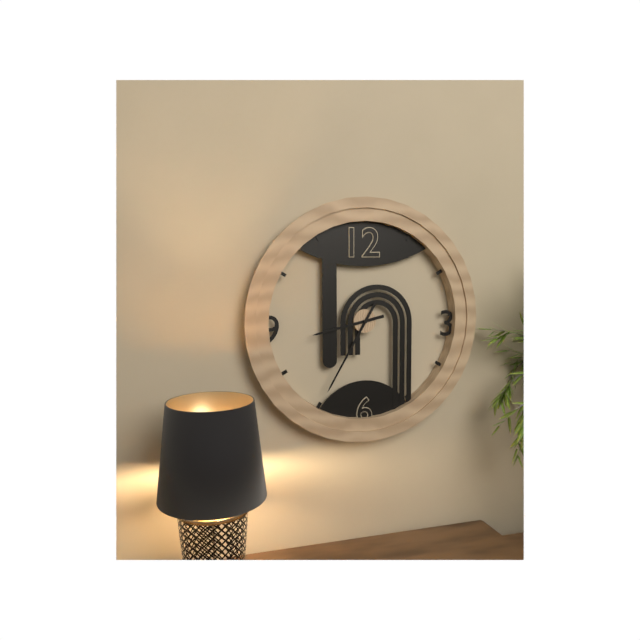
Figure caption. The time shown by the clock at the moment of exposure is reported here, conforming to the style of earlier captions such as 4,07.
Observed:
8,35
